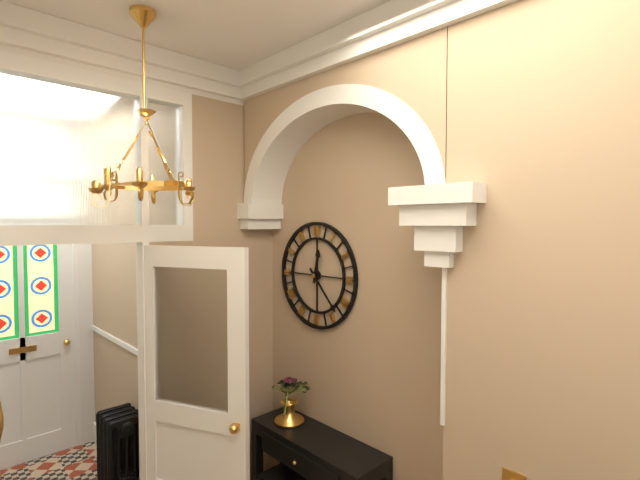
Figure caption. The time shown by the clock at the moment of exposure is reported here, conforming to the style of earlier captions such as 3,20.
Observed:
12,23
